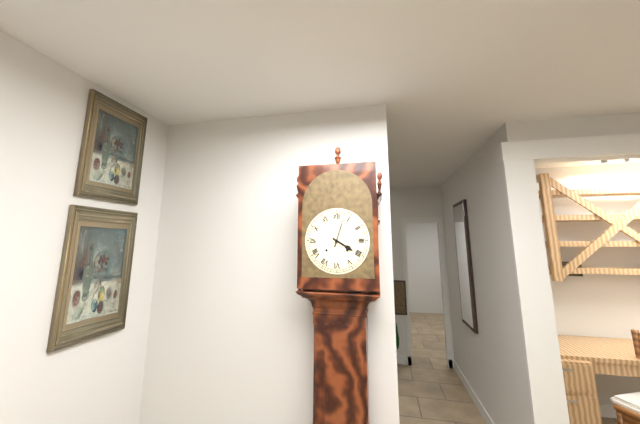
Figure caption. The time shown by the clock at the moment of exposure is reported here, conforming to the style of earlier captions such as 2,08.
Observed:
4,03
